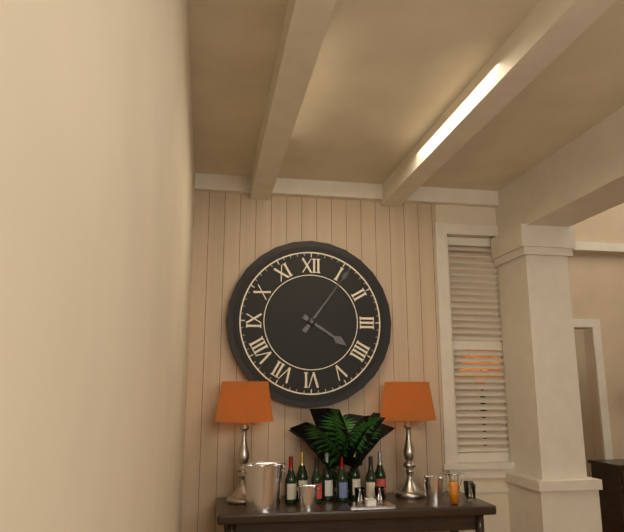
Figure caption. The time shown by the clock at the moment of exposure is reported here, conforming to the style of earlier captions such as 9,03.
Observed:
4,06
